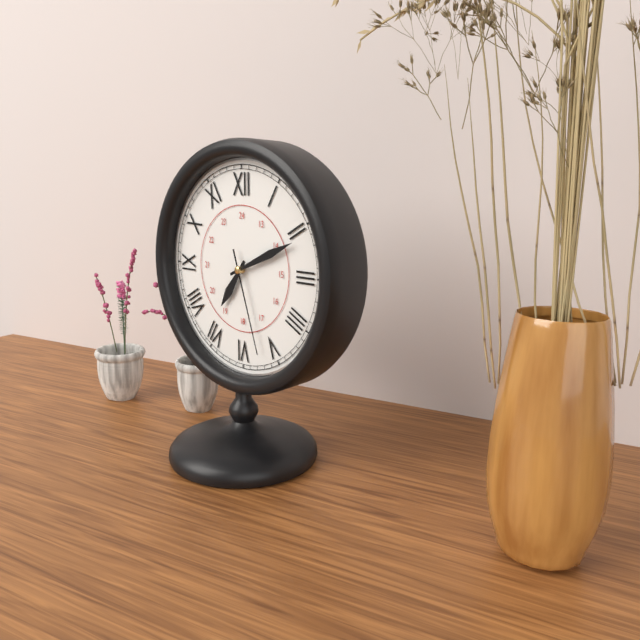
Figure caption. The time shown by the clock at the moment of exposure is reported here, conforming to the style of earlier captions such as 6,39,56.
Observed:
7,11,27
